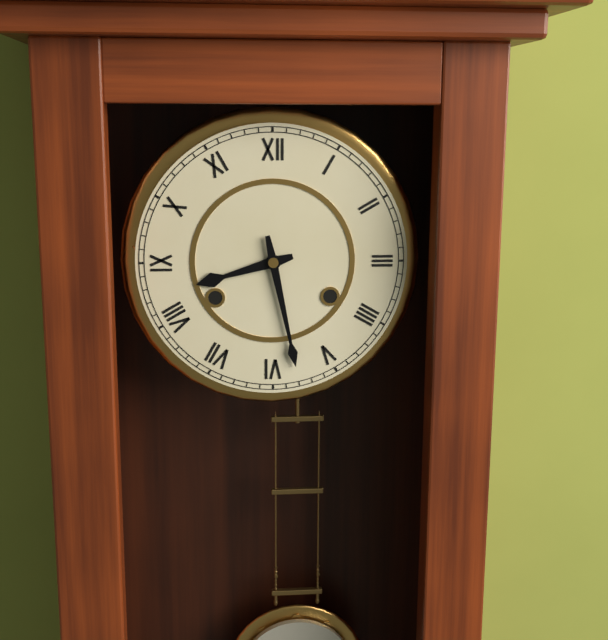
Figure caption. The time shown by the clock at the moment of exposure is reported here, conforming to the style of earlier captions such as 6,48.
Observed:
8,28
